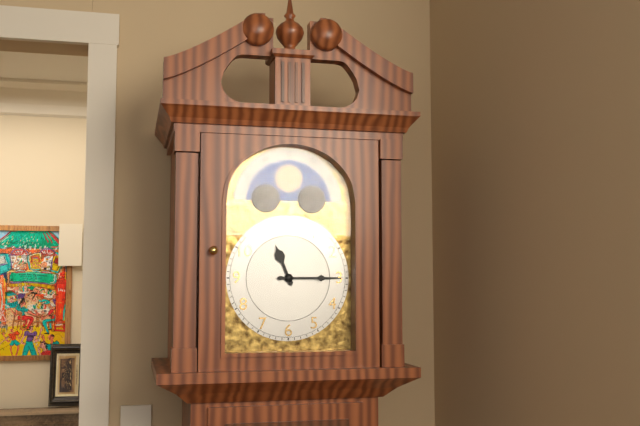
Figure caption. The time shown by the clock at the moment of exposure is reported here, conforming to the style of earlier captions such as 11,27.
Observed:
11,15
